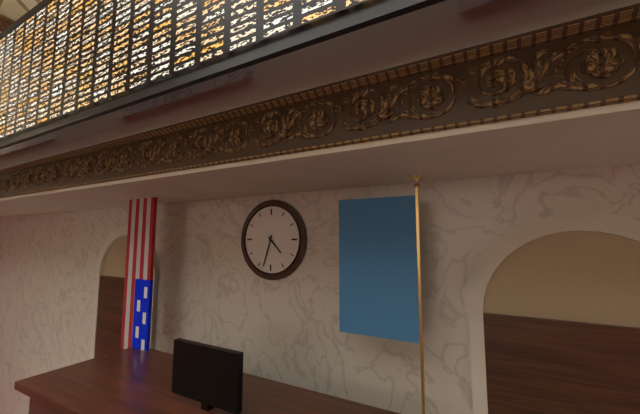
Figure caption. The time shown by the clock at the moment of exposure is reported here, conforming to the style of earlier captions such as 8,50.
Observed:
4,33
